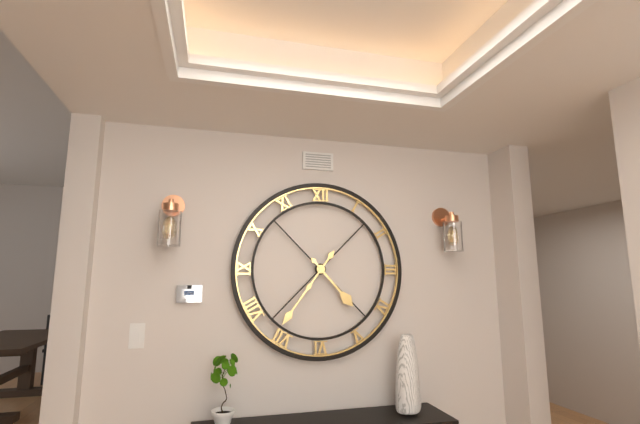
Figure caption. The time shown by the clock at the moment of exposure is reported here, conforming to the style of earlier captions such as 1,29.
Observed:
4,36
